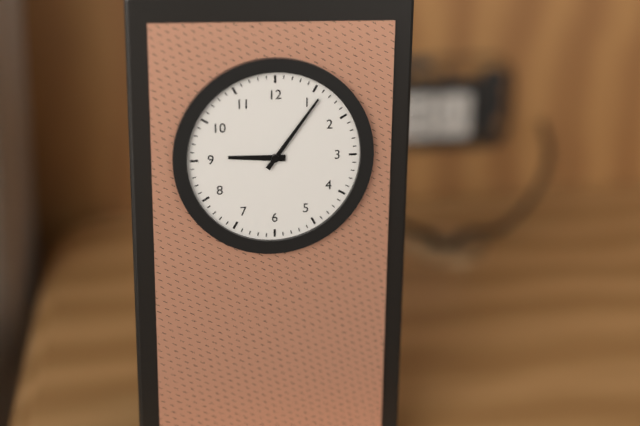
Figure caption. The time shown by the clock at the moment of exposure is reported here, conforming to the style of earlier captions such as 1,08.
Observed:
9,06
